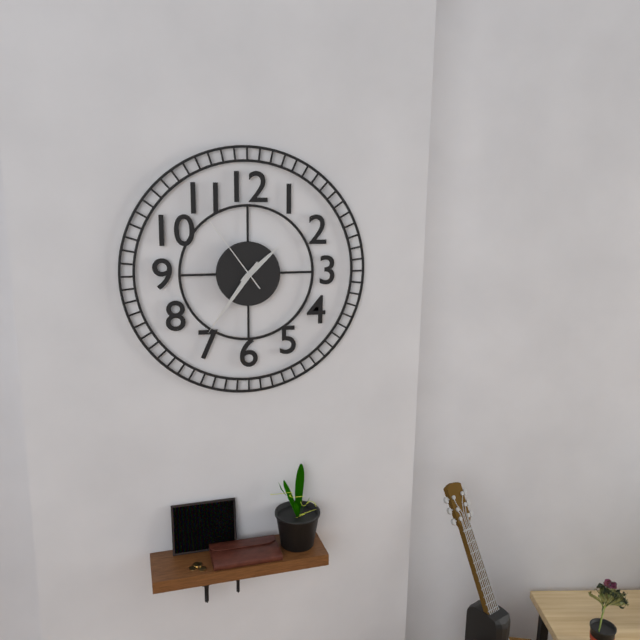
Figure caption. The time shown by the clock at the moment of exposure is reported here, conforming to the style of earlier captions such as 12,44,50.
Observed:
1,36,54
